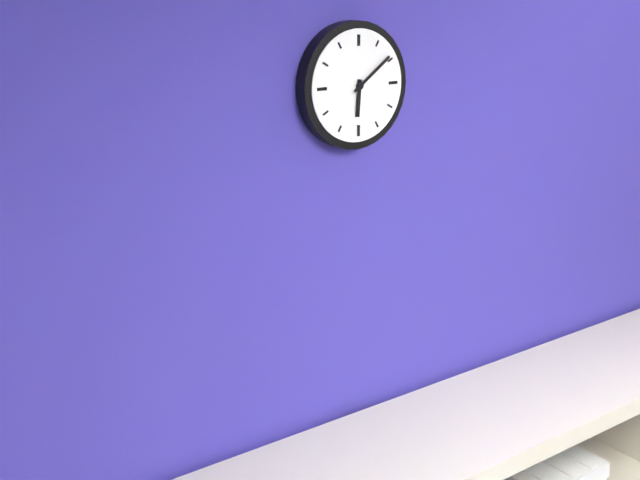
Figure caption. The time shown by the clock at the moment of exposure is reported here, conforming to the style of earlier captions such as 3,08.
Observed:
6,09
